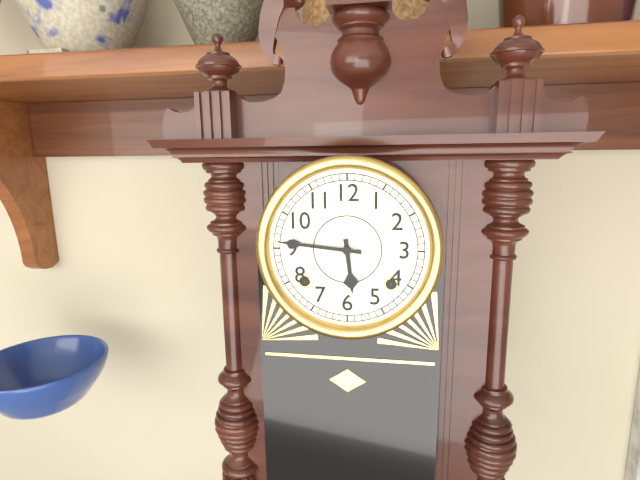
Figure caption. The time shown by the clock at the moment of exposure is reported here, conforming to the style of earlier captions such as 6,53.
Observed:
5,46
